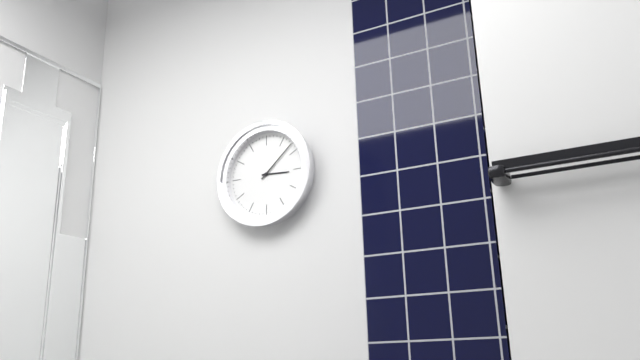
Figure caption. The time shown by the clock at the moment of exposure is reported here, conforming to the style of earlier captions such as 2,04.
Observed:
3,08
